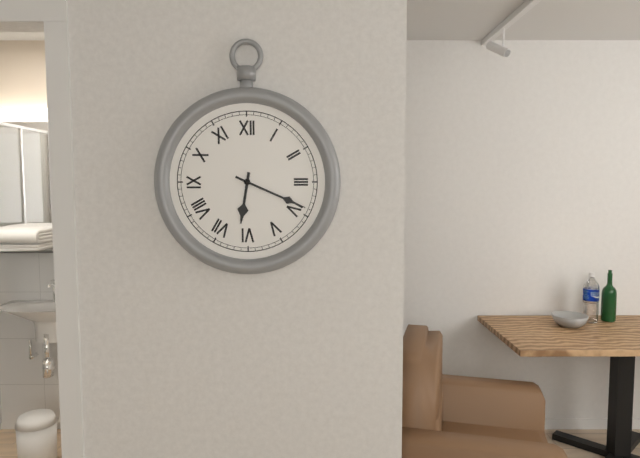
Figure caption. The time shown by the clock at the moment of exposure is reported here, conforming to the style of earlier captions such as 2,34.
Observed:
6,19
